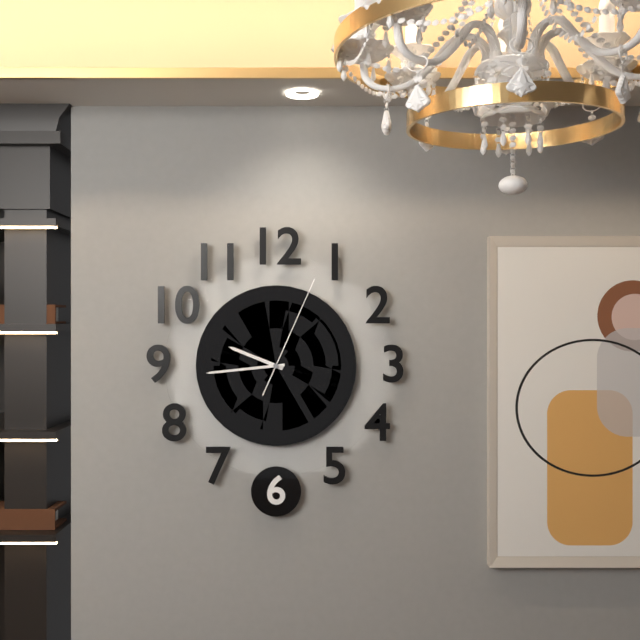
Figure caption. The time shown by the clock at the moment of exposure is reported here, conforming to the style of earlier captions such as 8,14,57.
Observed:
9,44,04
